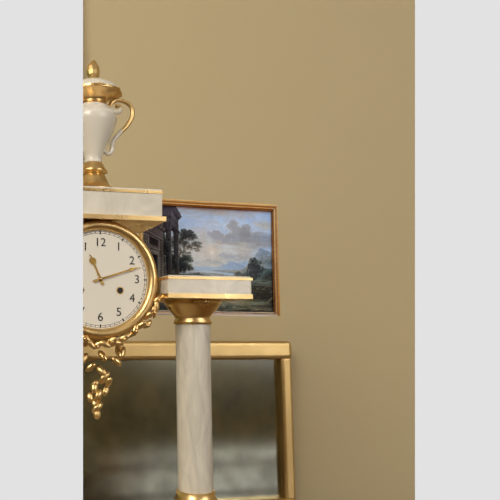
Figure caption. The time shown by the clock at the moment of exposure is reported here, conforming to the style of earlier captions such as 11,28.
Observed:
11,12
